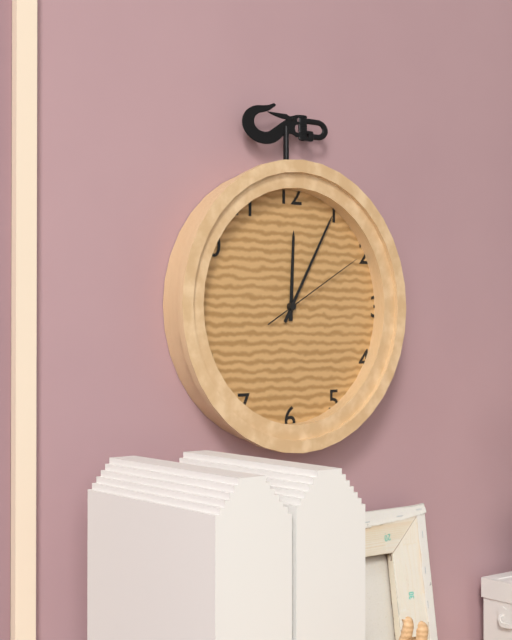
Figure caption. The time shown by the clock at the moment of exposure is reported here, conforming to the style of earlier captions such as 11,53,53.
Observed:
12,05,10
